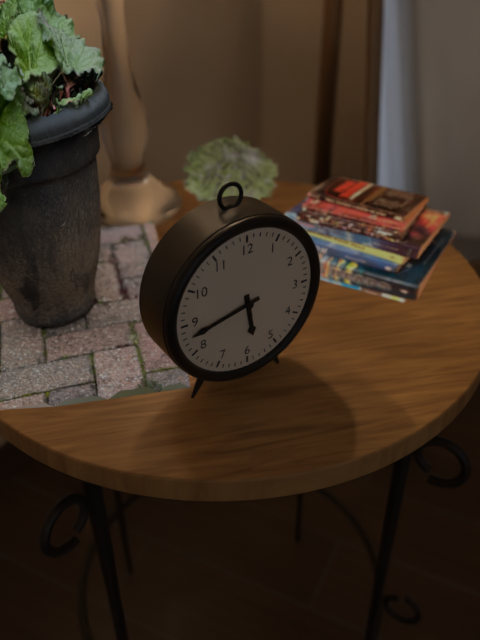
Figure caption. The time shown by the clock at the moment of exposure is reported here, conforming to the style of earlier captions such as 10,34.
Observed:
5,43
